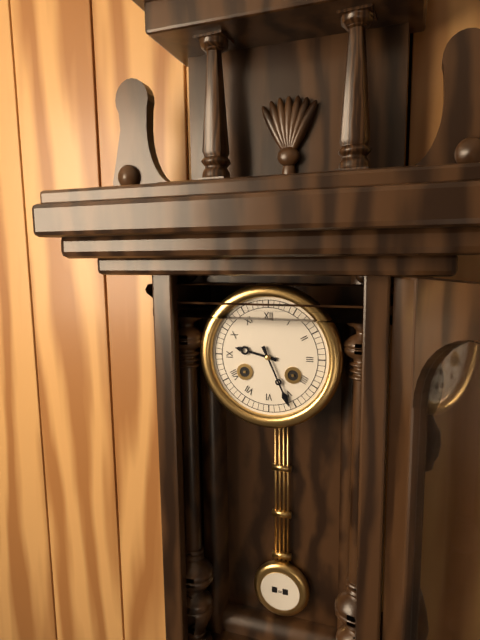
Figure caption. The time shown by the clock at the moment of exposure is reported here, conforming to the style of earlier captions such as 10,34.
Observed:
9,26
